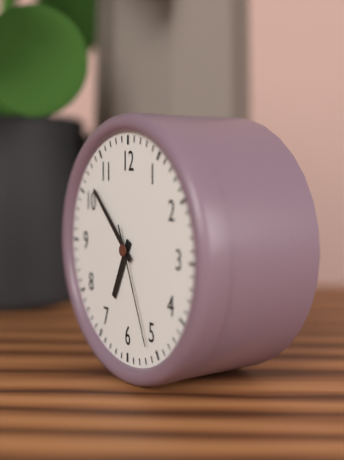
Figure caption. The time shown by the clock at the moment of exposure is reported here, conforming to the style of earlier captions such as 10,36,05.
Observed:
6,52,26
